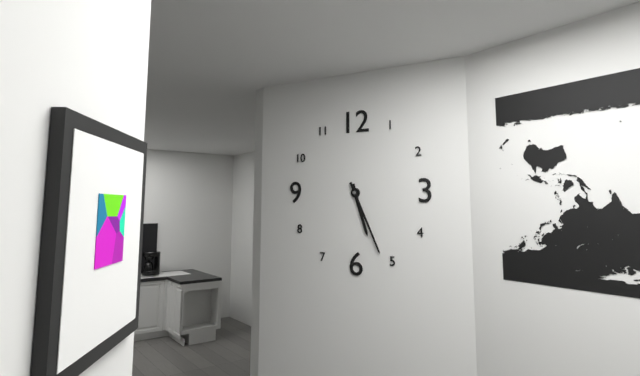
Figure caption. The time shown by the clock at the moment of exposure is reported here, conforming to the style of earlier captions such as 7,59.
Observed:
5,26
